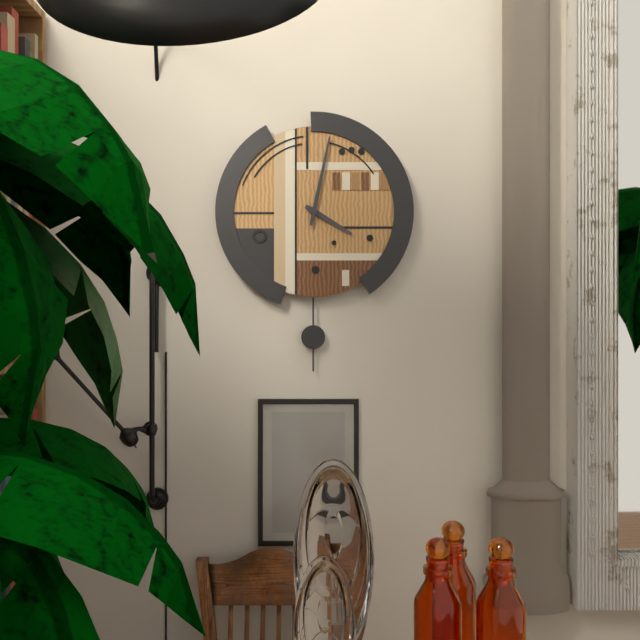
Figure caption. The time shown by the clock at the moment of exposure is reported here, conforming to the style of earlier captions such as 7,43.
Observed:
4,02
